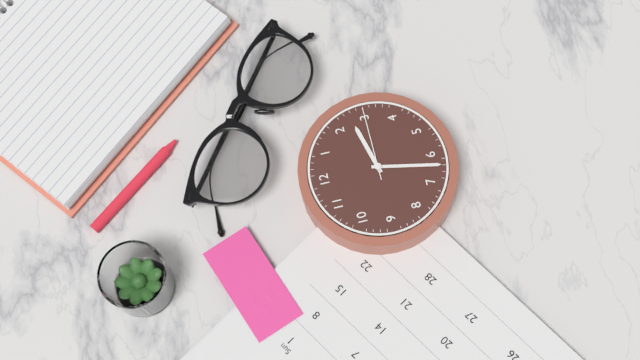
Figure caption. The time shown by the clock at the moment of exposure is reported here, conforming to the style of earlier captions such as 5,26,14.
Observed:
2,32,15
